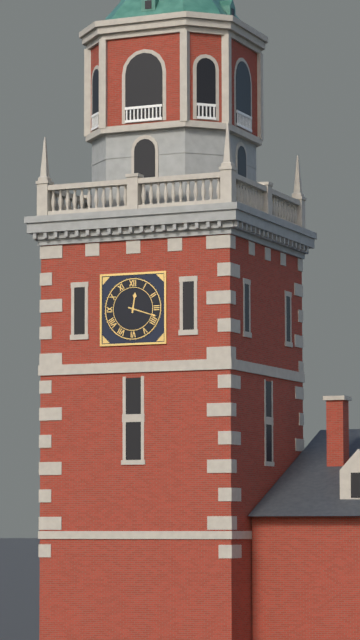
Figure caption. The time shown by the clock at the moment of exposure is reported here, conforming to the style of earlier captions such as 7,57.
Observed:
12,18
